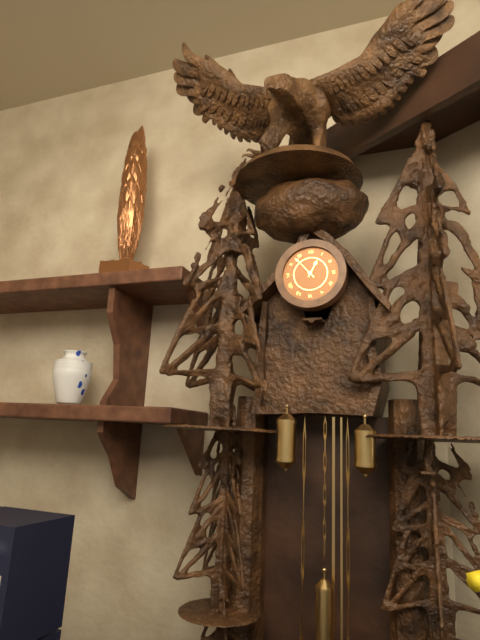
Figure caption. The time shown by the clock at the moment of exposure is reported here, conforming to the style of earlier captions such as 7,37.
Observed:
12,53
